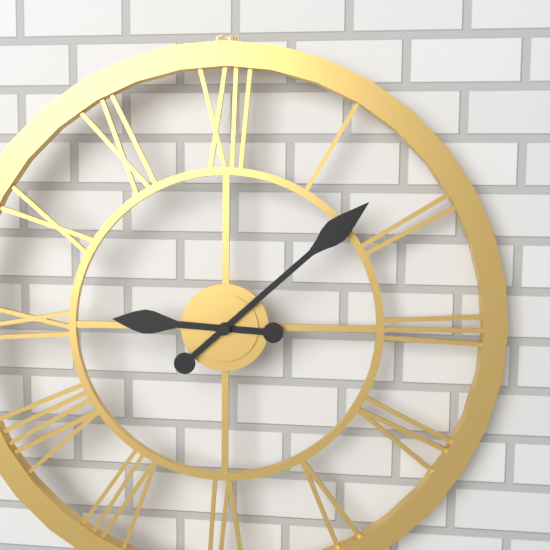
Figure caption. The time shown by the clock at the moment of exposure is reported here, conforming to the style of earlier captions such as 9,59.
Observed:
9,08
